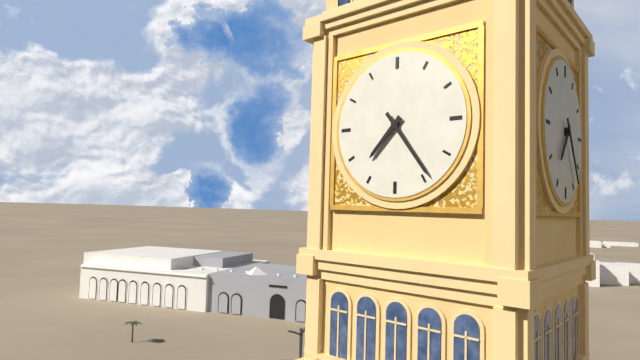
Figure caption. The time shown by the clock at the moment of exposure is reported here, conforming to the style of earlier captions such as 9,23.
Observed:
7,24
